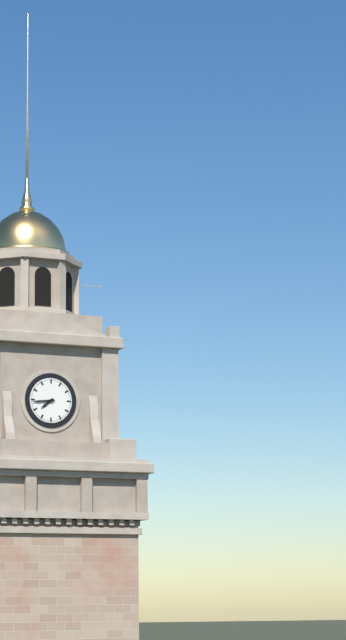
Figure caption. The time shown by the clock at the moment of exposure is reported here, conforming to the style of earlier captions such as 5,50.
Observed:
7,44
